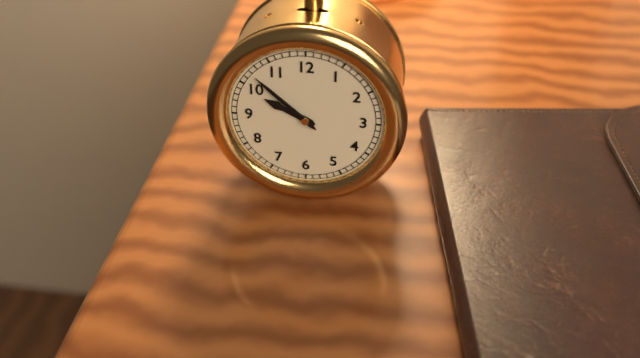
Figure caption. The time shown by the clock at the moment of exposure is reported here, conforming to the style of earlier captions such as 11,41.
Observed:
9,52
